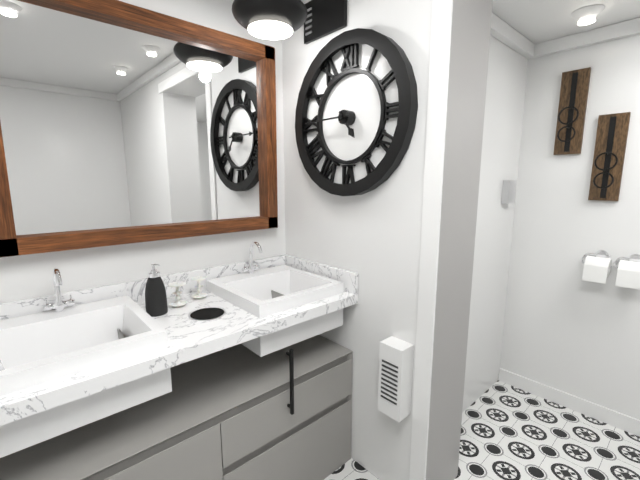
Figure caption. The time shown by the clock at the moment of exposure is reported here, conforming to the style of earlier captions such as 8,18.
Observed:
4,45
